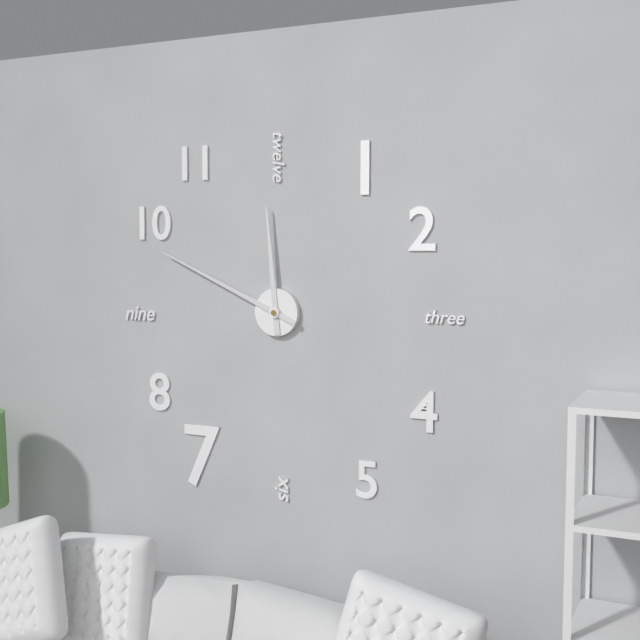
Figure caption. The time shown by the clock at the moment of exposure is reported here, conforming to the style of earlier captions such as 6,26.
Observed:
11,49
